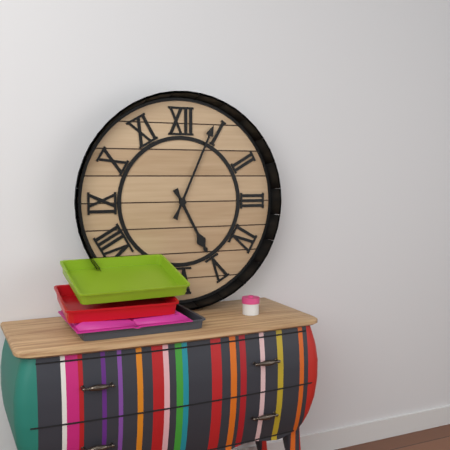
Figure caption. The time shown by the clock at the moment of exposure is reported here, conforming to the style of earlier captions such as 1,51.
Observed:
5,04
